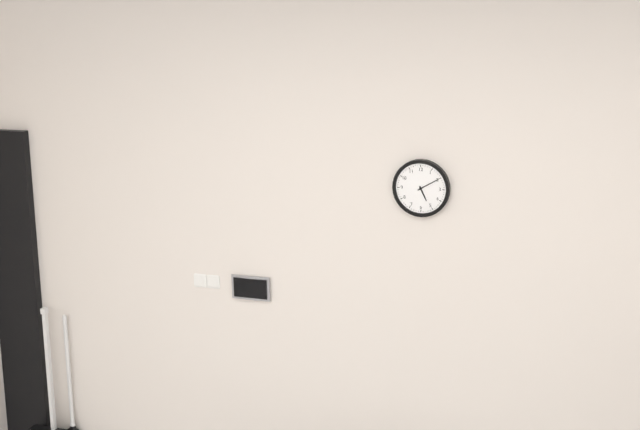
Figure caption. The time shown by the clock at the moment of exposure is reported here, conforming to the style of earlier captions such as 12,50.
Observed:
5,10
